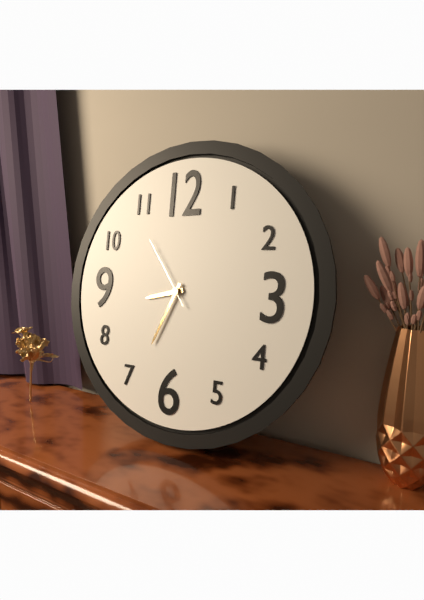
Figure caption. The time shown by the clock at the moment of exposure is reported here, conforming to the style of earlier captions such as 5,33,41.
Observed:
8,34,54
